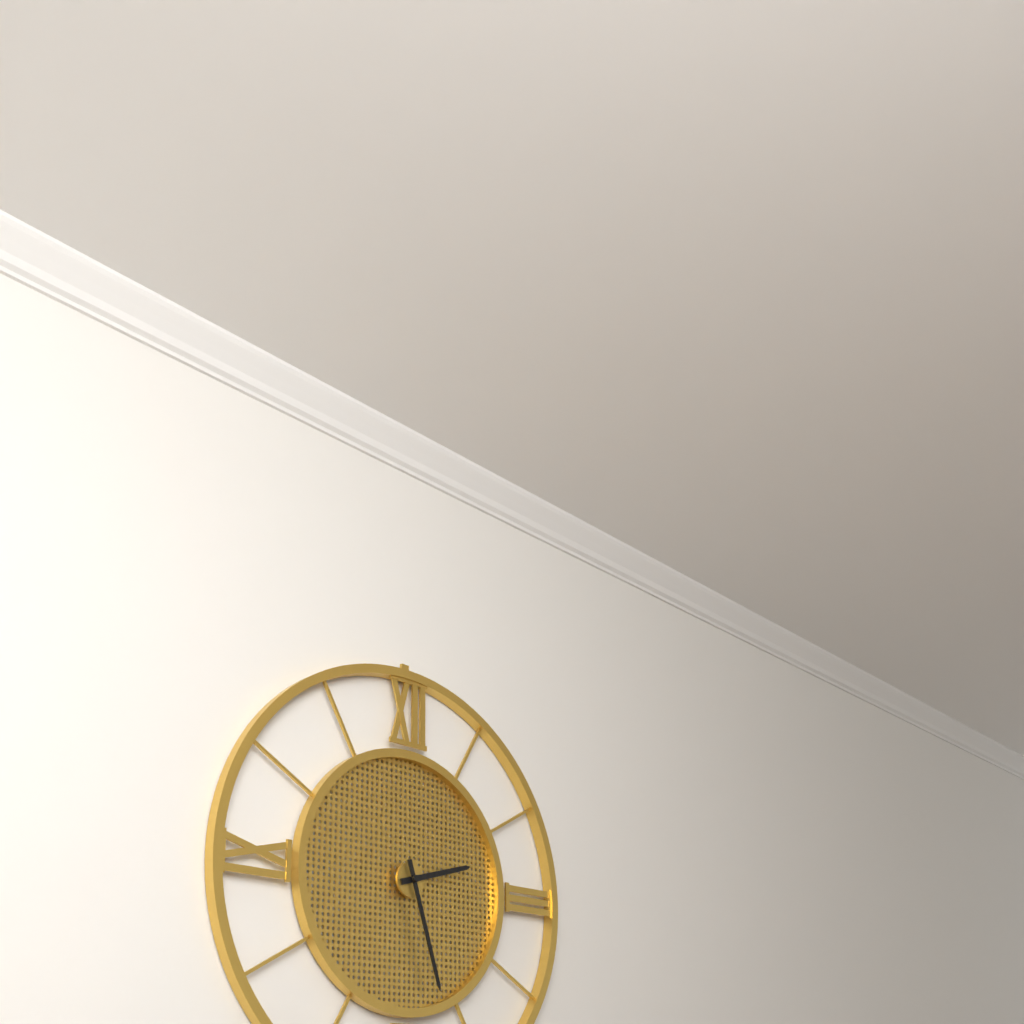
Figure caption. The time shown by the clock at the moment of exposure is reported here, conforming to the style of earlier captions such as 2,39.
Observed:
2,27
